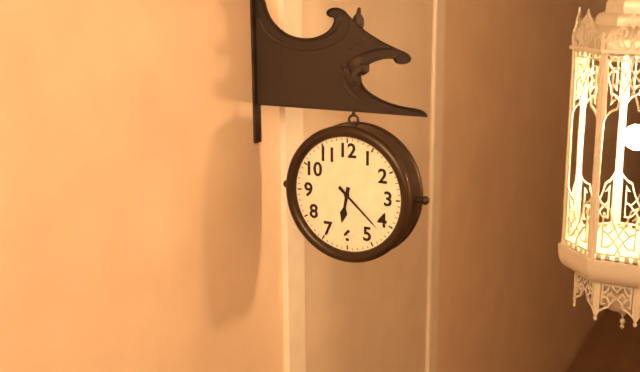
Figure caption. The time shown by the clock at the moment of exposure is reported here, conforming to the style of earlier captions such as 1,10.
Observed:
6,22
